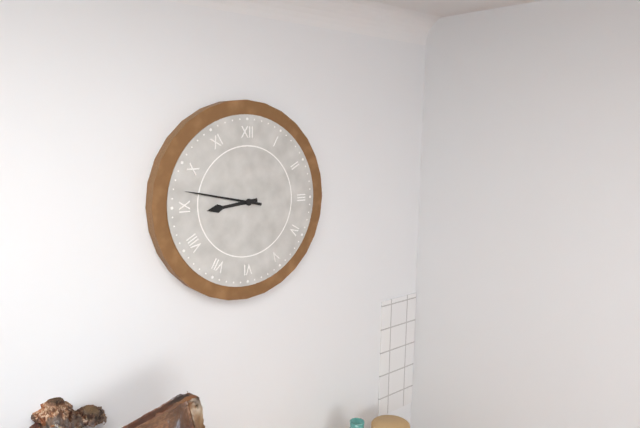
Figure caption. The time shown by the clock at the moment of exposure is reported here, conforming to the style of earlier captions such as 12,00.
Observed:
8,47
